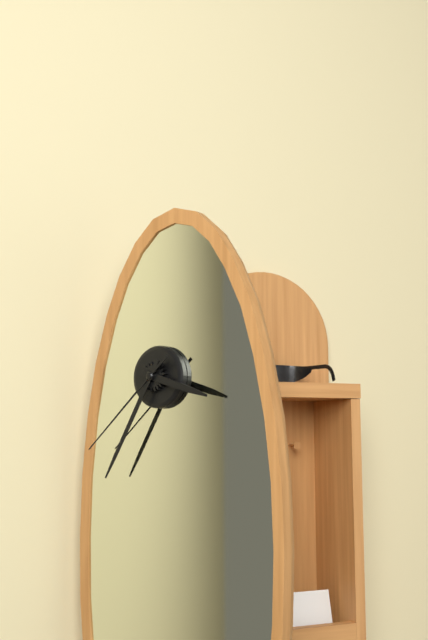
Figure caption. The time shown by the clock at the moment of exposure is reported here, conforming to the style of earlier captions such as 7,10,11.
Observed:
3,35,38
